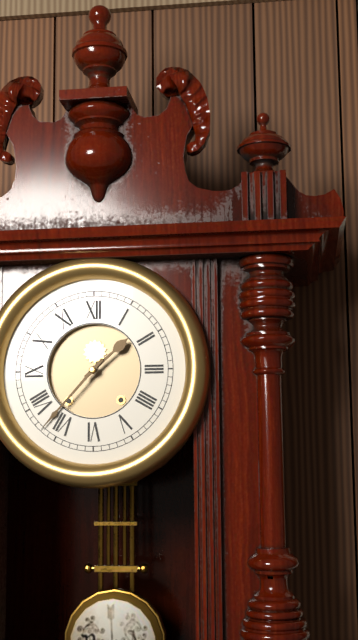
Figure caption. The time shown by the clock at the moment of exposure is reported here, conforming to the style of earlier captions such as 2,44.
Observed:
1,37
